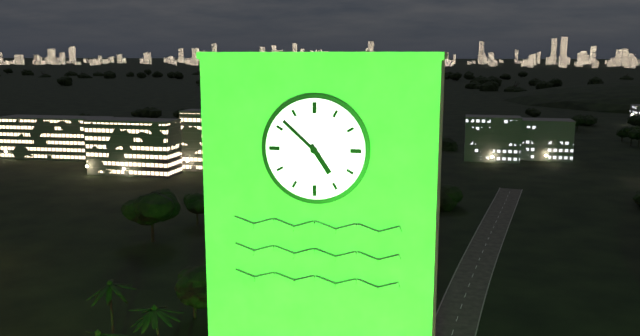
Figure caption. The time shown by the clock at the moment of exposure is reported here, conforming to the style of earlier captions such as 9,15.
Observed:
4,52
